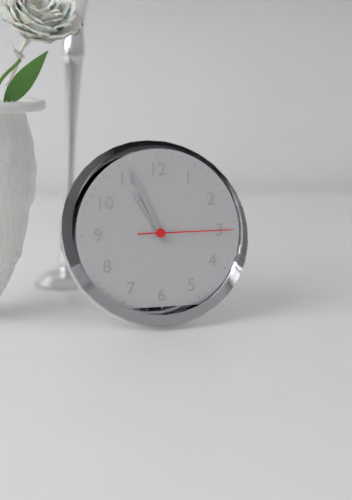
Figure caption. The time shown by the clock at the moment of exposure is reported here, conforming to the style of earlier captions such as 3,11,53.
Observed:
10,56,15
